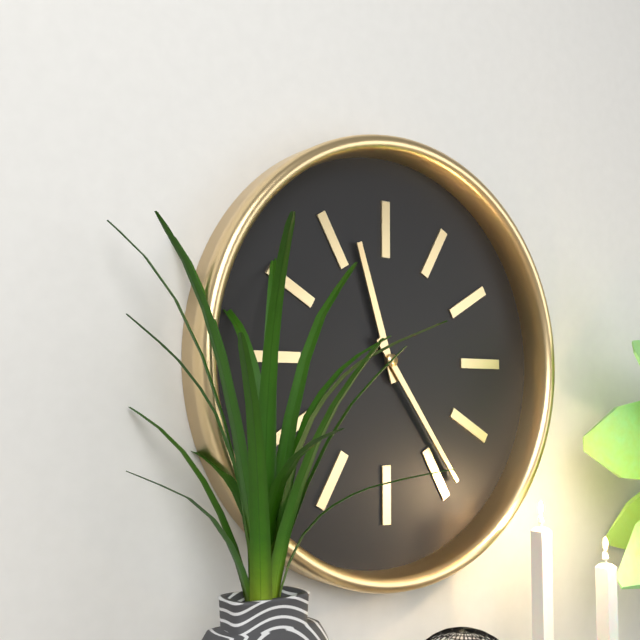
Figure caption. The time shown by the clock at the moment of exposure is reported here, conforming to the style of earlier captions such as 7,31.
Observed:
11,24
